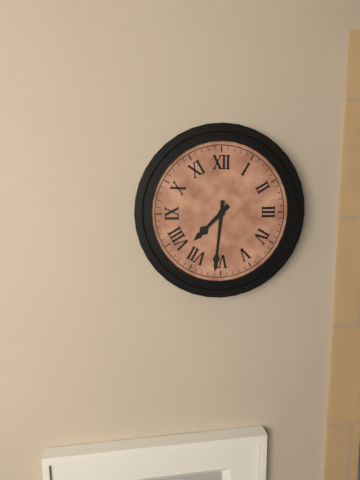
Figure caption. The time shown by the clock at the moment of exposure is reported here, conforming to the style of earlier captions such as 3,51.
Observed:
7,31
